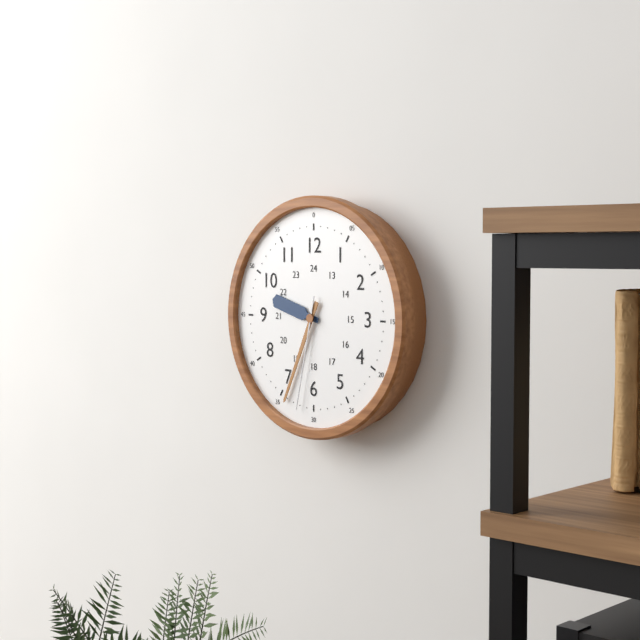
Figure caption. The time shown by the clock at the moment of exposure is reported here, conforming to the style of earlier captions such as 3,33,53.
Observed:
9,34,32
